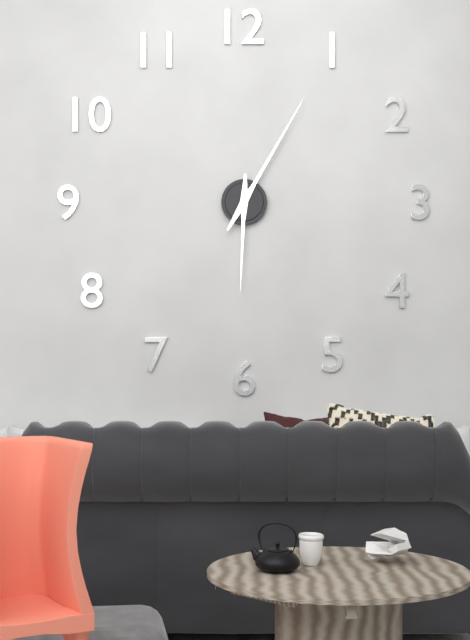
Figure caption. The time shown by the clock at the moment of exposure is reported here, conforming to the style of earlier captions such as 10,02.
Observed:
6,05
